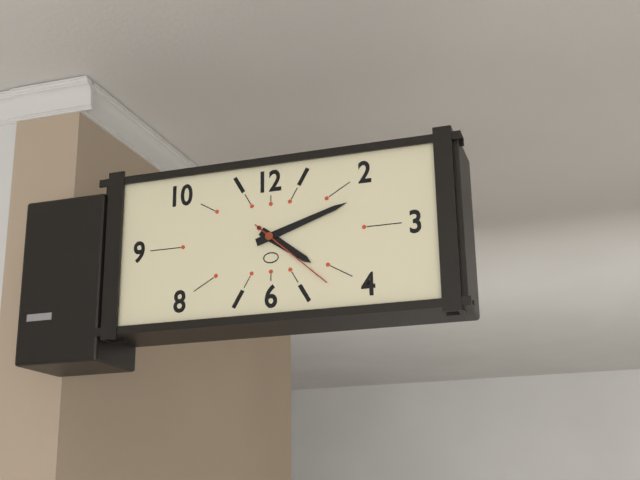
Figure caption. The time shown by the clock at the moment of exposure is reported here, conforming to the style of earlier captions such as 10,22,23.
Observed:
4,12,22
